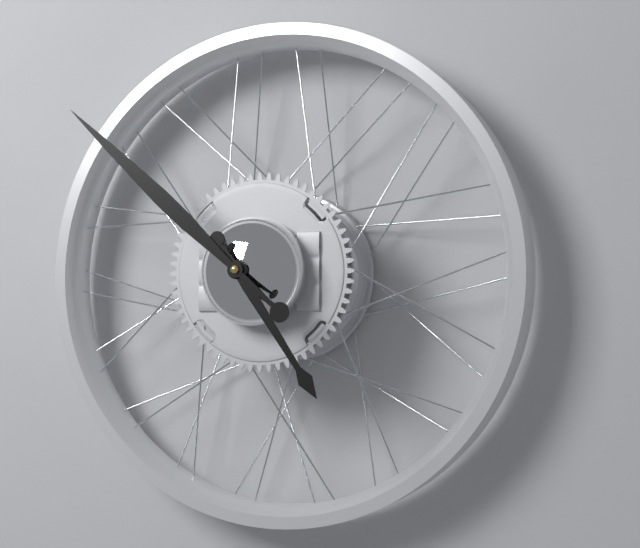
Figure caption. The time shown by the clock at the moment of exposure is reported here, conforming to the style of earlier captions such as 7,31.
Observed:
4,52
